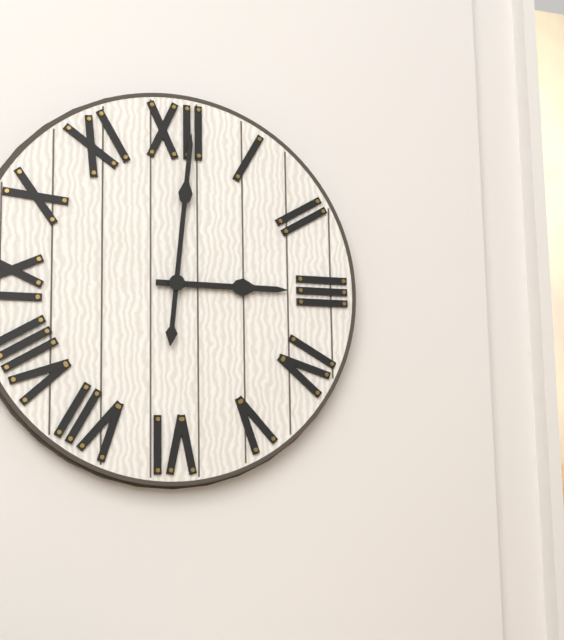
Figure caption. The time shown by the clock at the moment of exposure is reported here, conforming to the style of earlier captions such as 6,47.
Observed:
3,01
